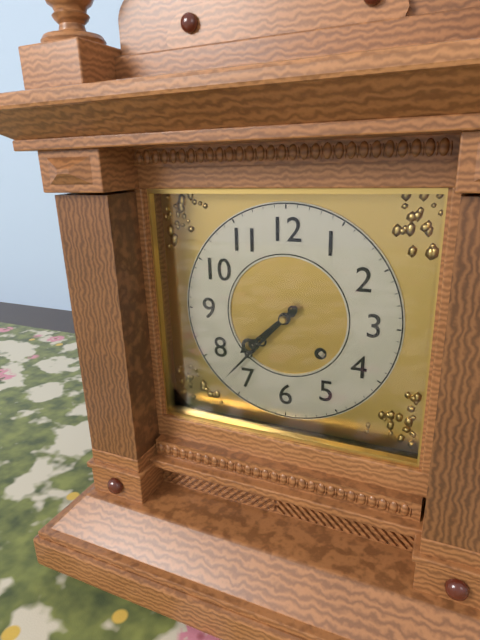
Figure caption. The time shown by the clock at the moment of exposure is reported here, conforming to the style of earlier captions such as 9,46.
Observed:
7,37
